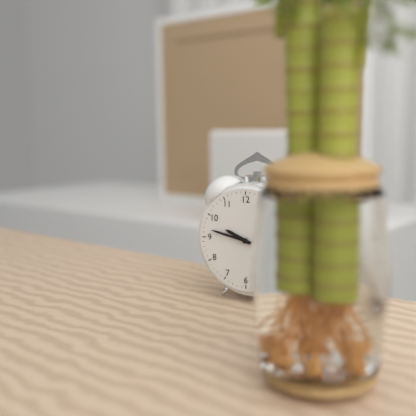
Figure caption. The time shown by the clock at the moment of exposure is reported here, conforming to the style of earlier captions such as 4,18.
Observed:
9,47
